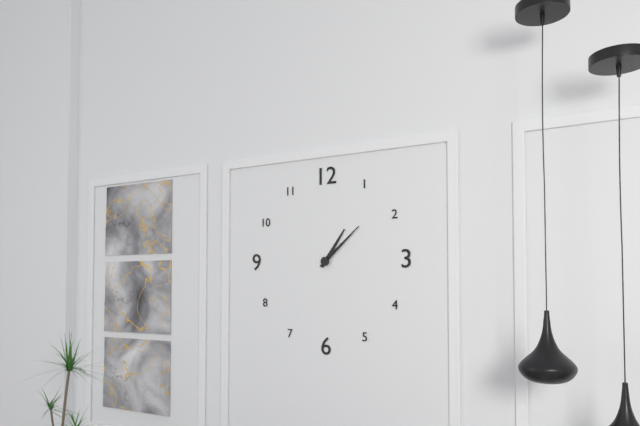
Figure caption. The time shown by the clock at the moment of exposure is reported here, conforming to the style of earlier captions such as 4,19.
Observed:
1,08
